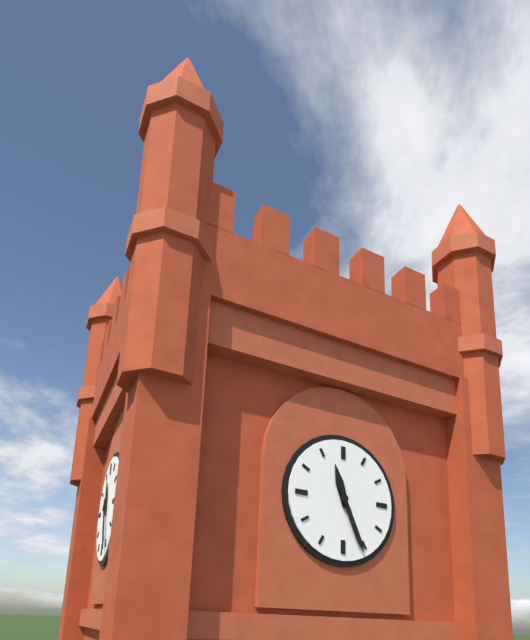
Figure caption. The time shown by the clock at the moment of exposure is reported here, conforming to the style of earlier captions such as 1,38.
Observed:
11,26
